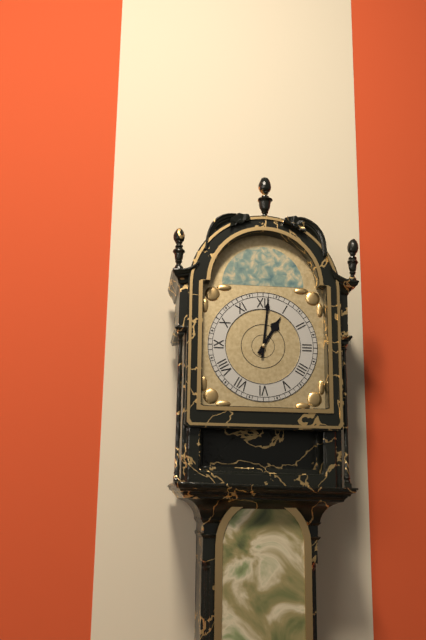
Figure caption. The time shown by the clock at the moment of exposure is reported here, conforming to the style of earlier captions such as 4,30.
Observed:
1,01
